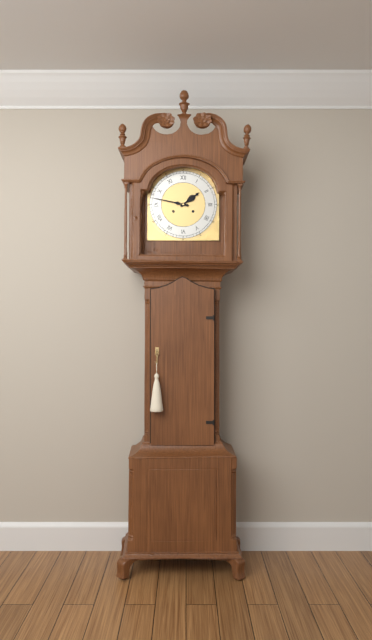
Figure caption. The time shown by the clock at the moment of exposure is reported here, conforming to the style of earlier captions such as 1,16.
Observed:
1,47
